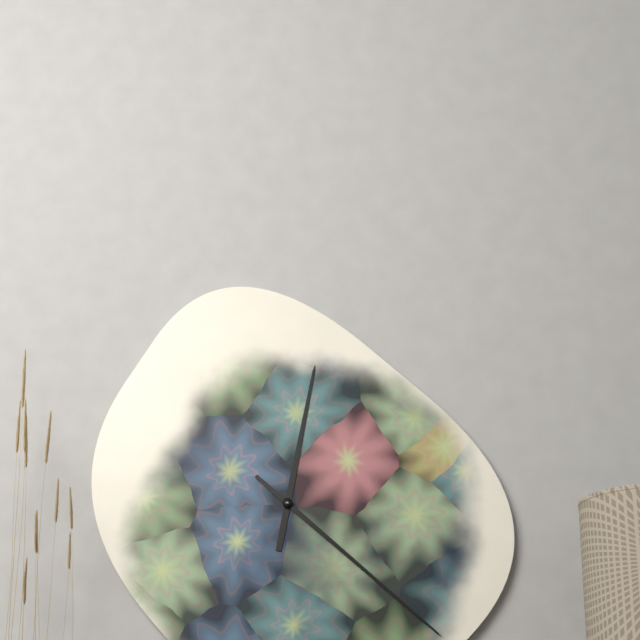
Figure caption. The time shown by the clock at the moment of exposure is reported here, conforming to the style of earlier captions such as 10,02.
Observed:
12,22
